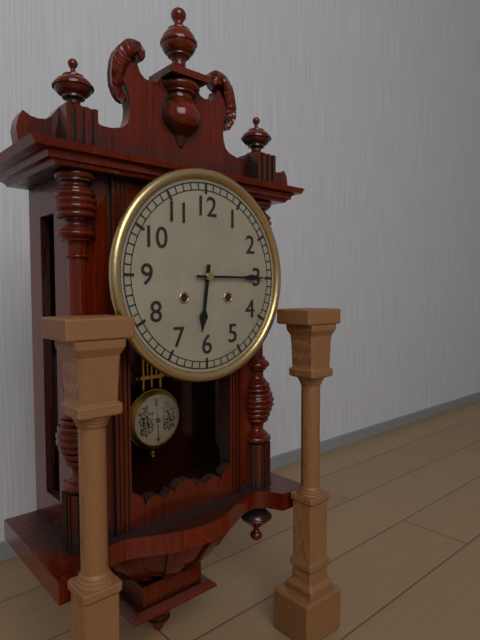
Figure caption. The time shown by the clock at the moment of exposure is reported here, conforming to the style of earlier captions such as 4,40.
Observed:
6,15
